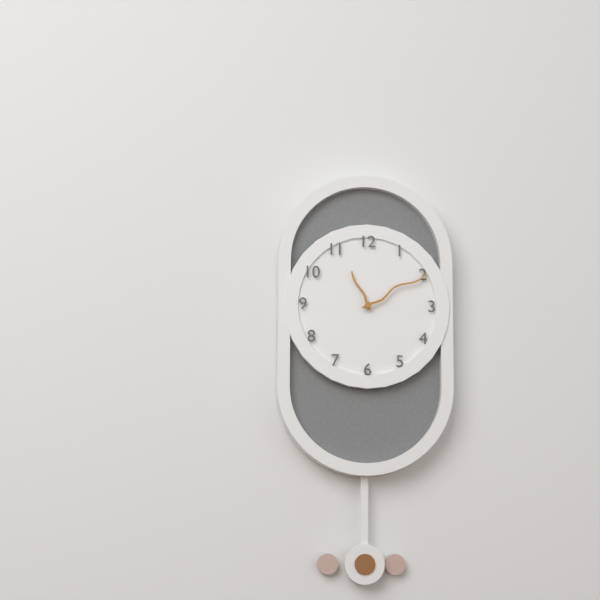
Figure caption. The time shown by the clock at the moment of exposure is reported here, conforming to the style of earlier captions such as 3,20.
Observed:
11,10
